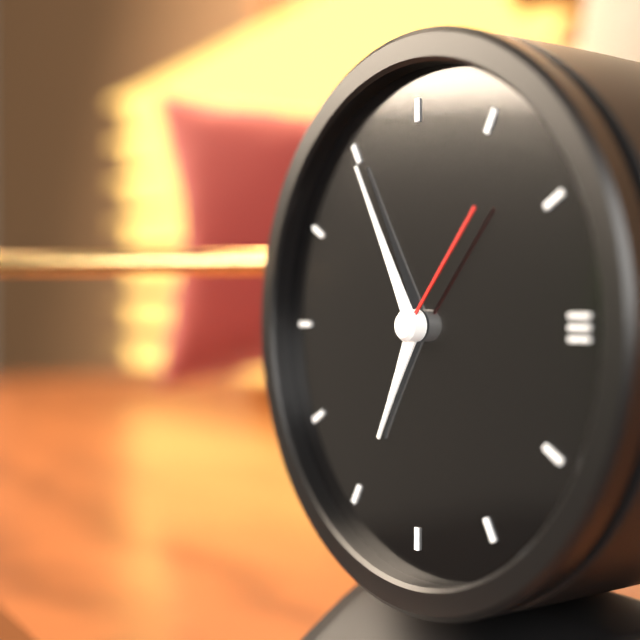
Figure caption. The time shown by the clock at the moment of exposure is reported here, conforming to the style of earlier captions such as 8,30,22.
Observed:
6,55,07
